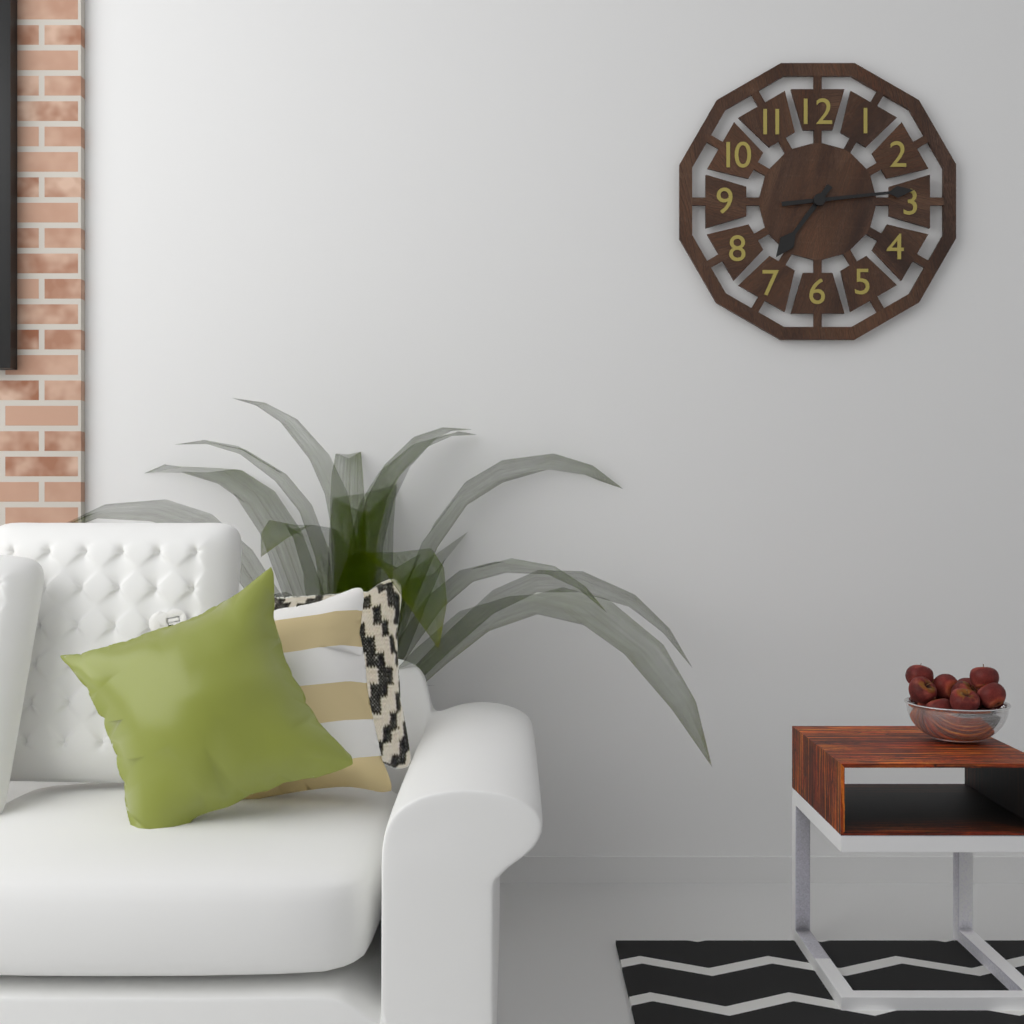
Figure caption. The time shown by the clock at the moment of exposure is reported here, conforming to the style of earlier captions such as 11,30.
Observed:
7,14
